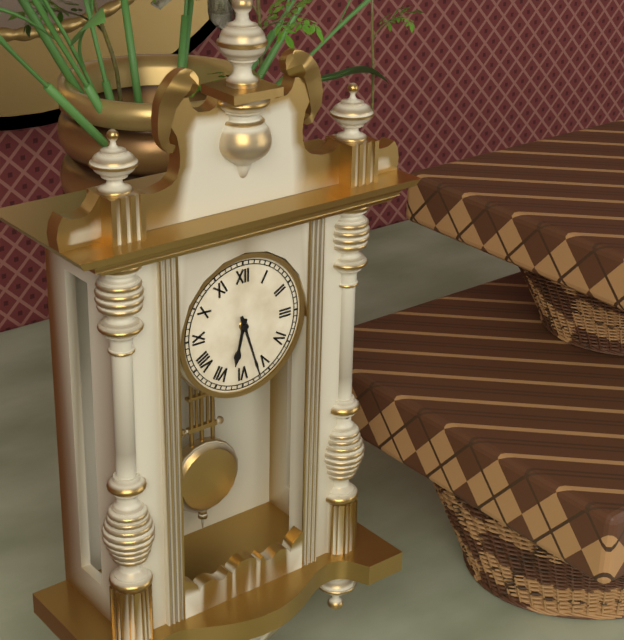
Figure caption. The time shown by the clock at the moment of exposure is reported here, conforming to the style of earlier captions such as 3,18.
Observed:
6,27
